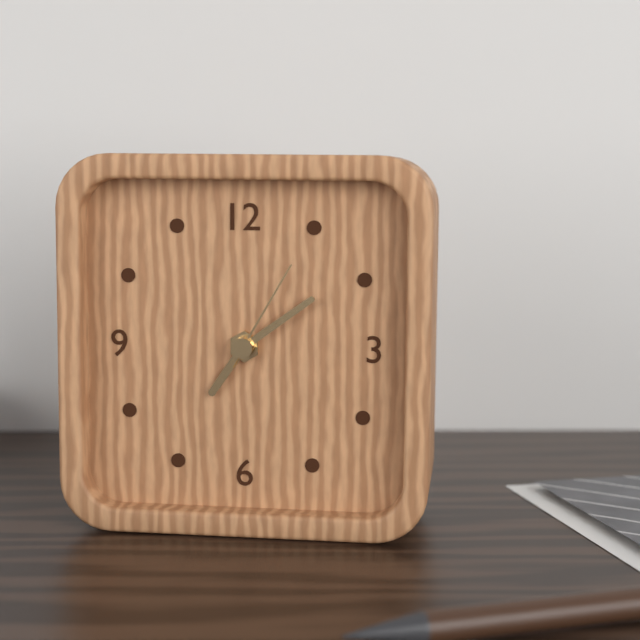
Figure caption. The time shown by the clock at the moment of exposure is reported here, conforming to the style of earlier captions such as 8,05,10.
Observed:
7,09,05
